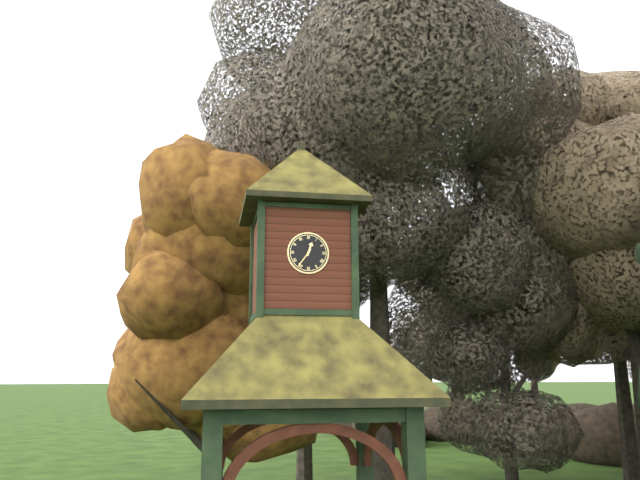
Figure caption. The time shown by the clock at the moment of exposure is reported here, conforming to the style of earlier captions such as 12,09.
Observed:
12,36
